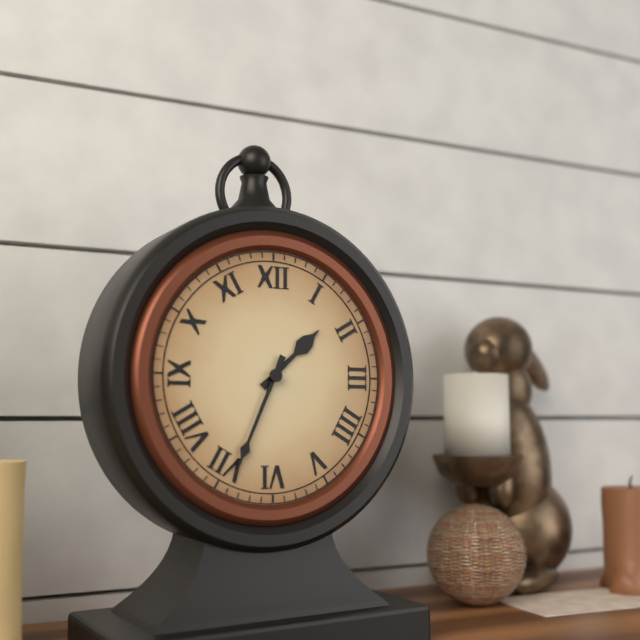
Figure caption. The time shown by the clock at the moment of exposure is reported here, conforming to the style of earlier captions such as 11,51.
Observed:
1,34
